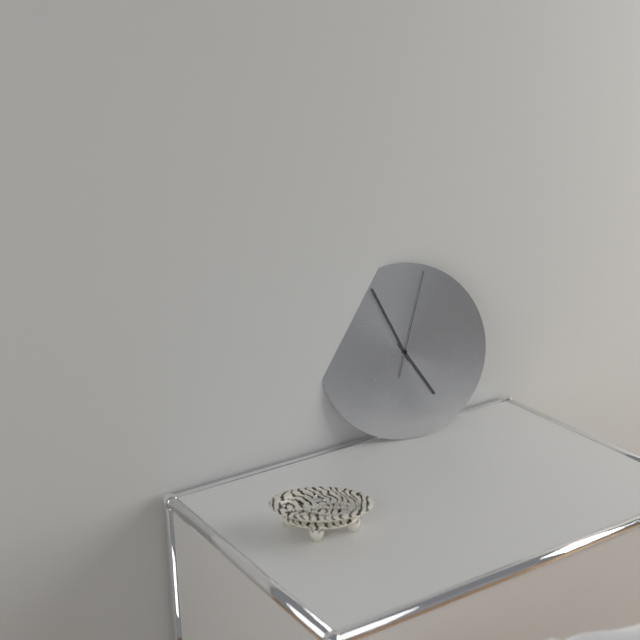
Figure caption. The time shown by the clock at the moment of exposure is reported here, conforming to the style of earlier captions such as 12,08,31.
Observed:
4,56,03
